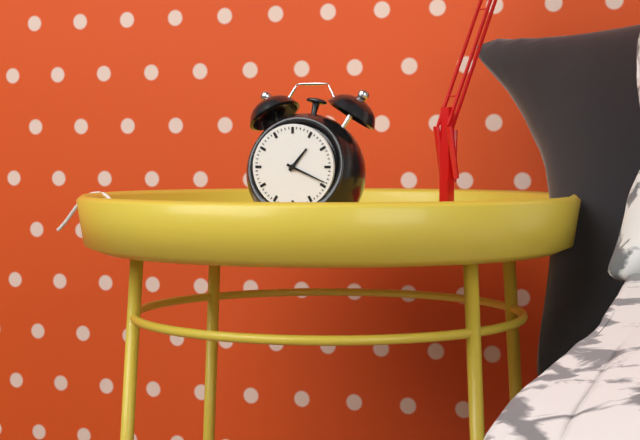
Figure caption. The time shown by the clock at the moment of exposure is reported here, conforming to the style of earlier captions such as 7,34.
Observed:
1,19
